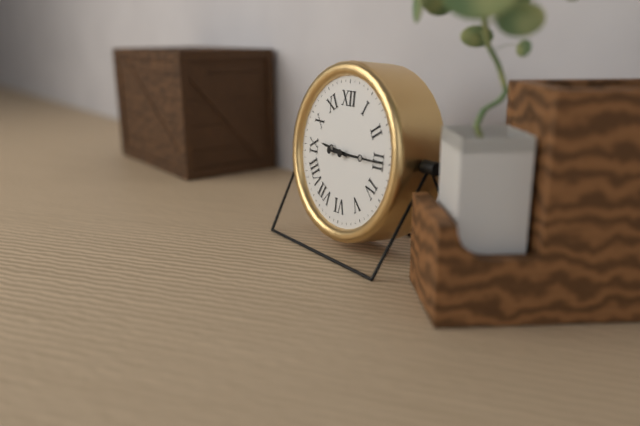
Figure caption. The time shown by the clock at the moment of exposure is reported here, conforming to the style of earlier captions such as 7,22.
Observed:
9,15
